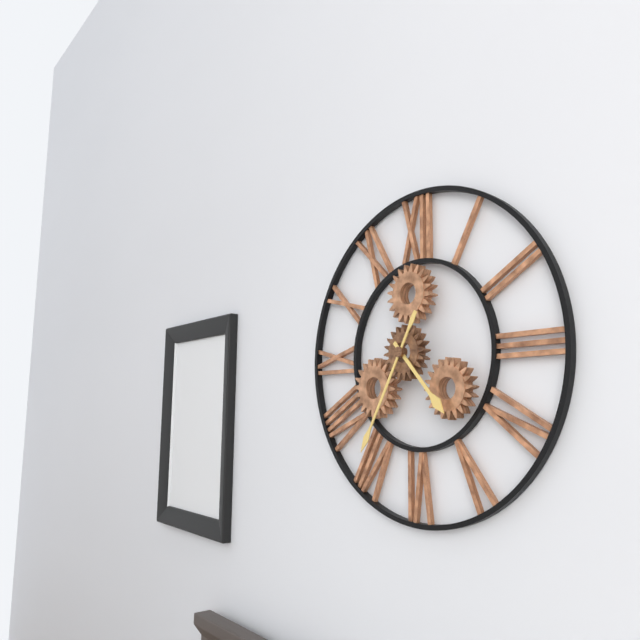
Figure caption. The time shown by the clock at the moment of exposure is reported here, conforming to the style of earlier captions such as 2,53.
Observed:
4,35
